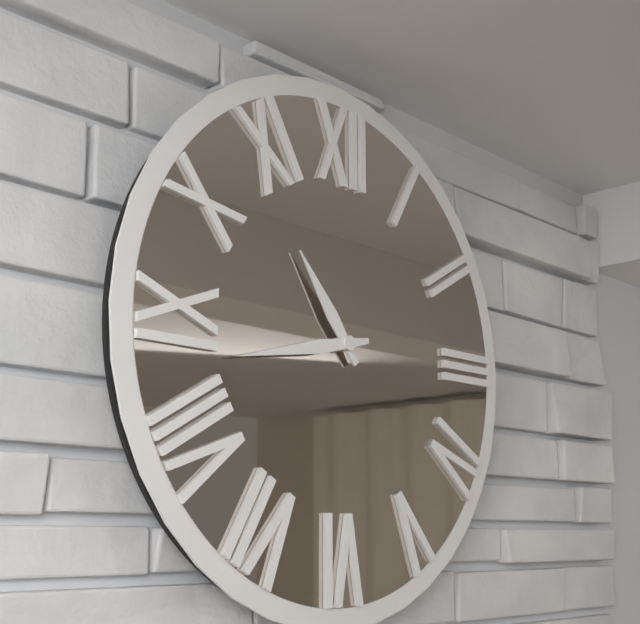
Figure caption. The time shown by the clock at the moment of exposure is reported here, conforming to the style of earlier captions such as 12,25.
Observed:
10,43
